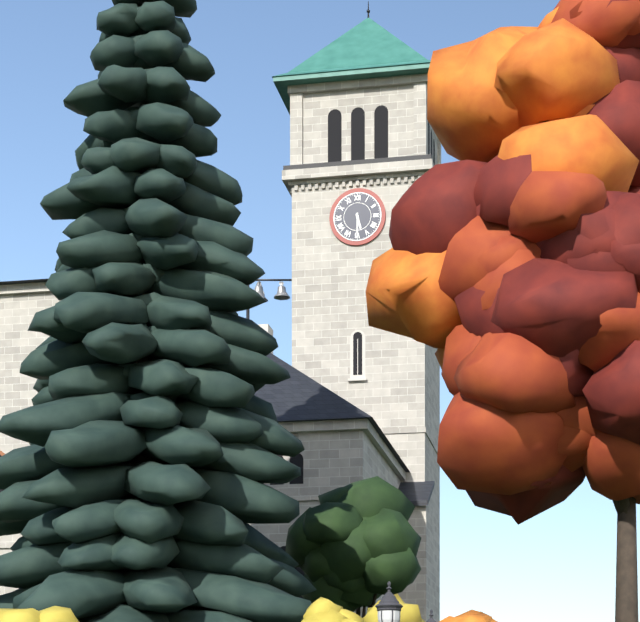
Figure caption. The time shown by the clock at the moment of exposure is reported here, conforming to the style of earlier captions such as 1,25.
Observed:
5,30
